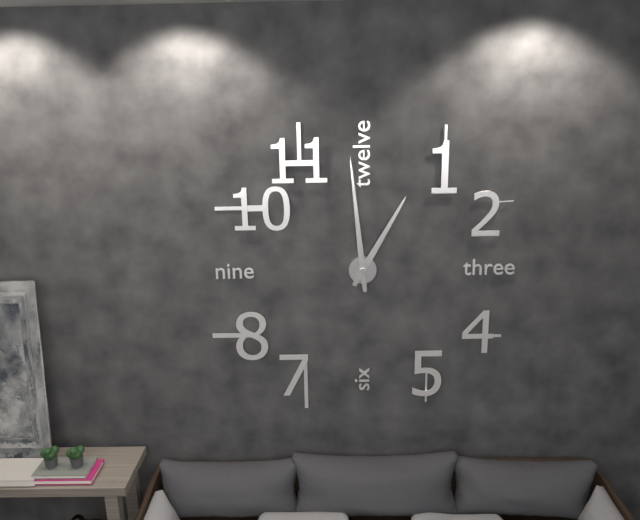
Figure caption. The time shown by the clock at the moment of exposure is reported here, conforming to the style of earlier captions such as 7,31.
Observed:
12,59
